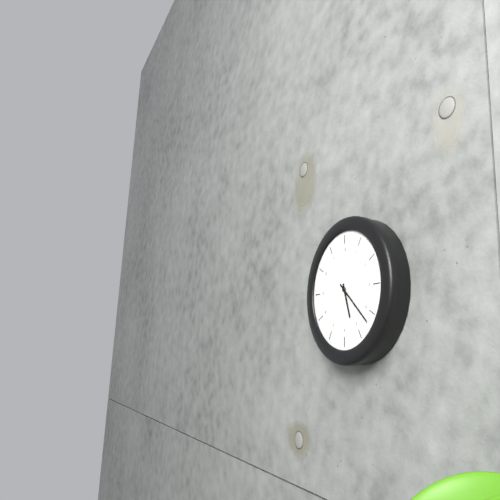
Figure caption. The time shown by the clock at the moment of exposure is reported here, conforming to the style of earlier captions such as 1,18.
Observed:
5,22
